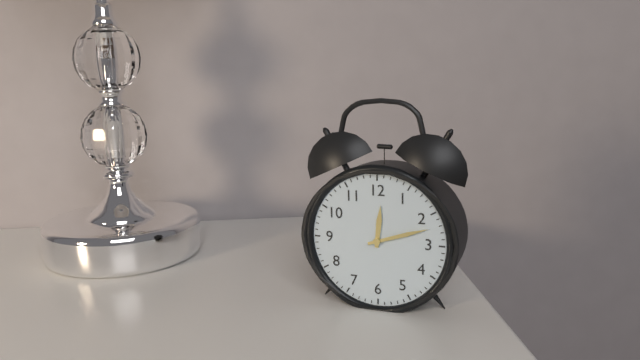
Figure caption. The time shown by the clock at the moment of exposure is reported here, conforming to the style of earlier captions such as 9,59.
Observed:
12,12
